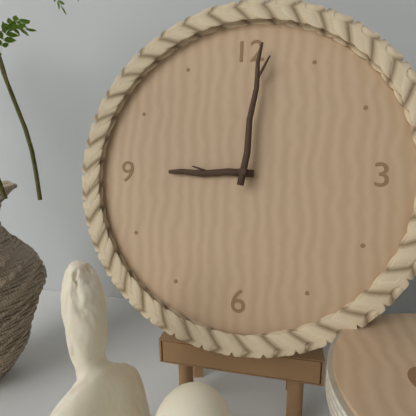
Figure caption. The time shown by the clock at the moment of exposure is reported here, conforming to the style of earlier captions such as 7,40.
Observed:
9,01
